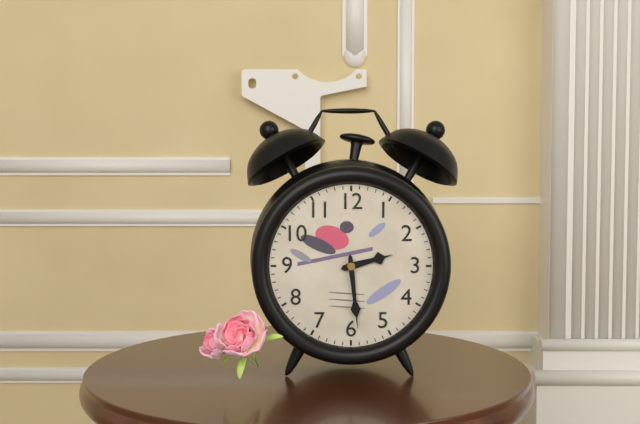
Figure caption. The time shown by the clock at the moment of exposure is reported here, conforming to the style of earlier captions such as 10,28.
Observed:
2,29
